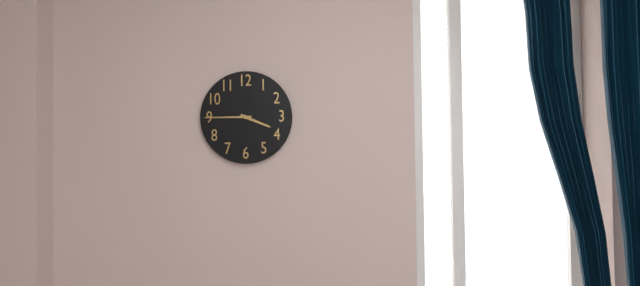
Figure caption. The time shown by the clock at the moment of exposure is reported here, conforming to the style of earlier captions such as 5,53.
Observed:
3,45
